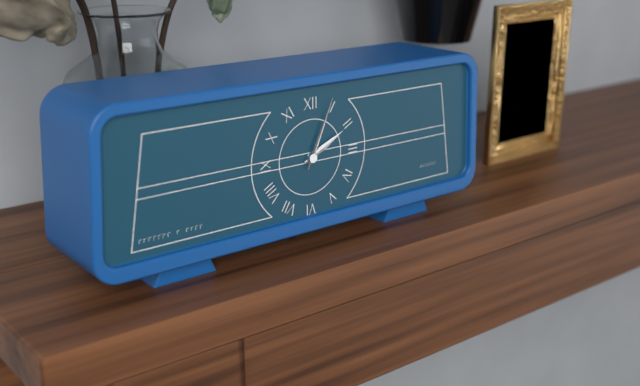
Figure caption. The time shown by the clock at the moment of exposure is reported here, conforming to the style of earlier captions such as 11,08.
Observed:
2,04
